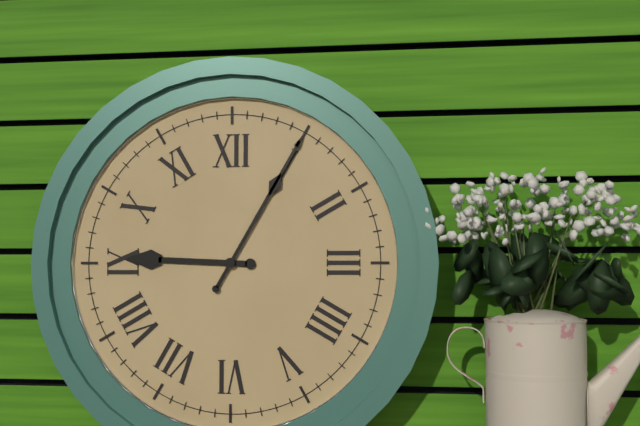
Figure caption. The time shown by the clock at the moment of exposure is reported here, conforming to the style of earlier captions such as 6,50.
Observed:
9,05
